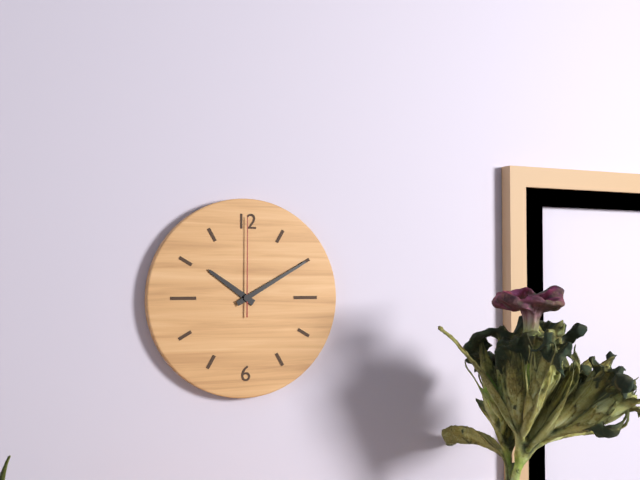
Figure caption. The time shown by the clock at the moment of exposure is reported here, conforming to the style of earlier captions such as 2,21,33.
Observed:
10,10,00
